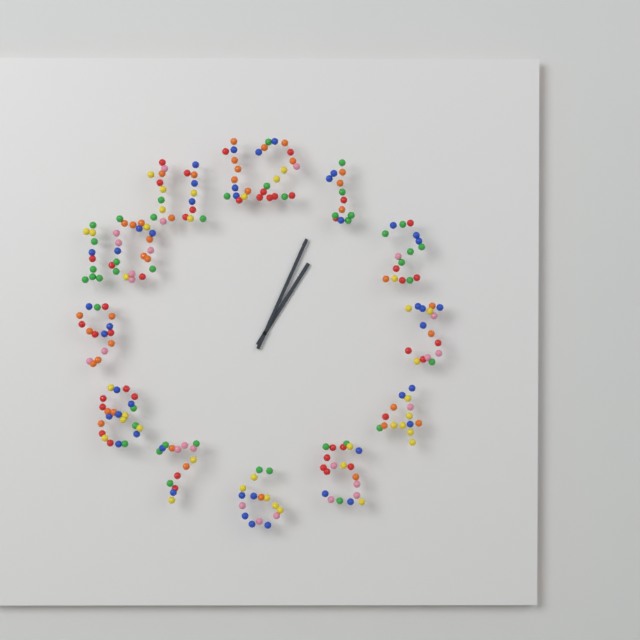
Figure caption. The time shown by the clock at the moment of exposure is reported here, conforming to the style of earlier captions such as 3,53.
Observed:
1,04
